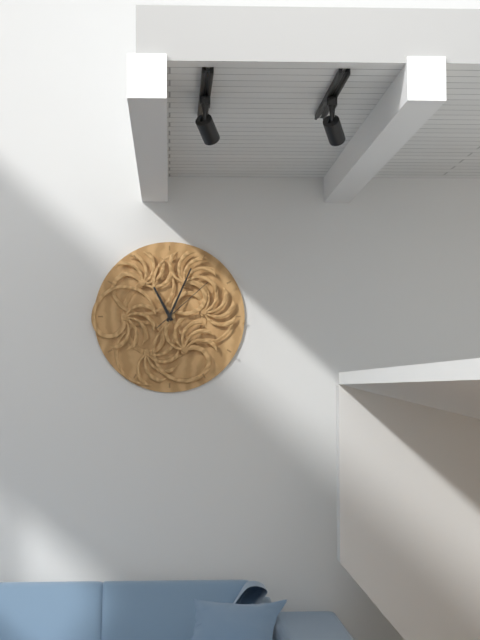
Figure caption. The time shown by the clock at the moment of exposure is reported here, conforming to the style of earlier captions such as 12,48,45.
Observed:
11,04,08
